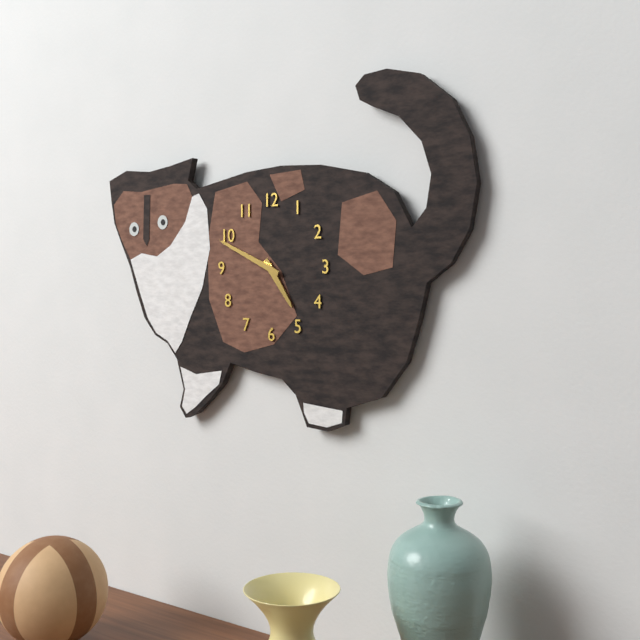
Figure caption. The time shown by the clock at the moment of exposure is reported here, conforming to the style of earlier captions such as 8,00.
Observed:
4,49
